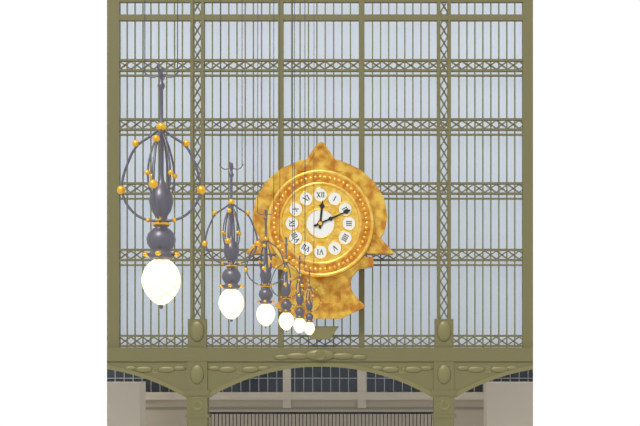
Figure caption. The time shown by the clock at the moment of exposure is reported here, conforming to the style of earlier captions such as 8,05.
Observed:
12,11
